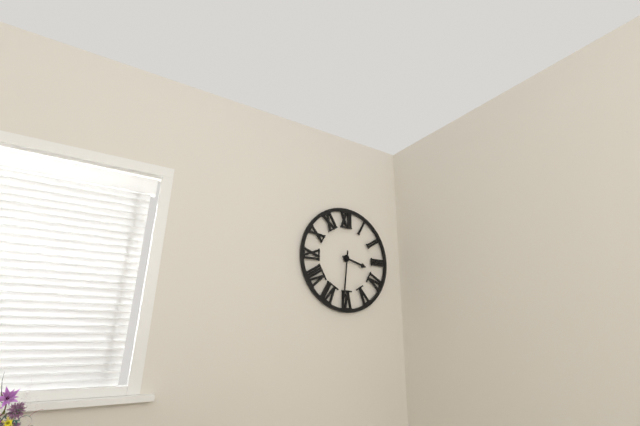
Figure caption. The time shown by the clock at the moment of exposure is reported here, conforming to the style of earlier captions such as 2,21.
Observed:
3,31
